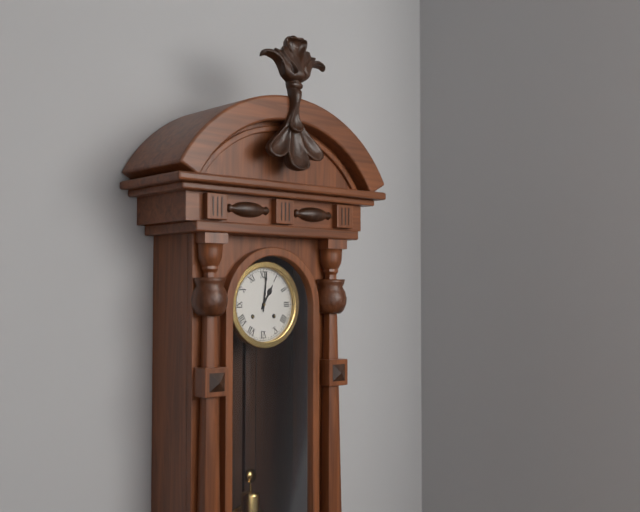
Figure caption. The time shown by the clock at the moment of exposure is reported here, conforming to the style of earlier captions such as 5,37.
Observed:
1,01
